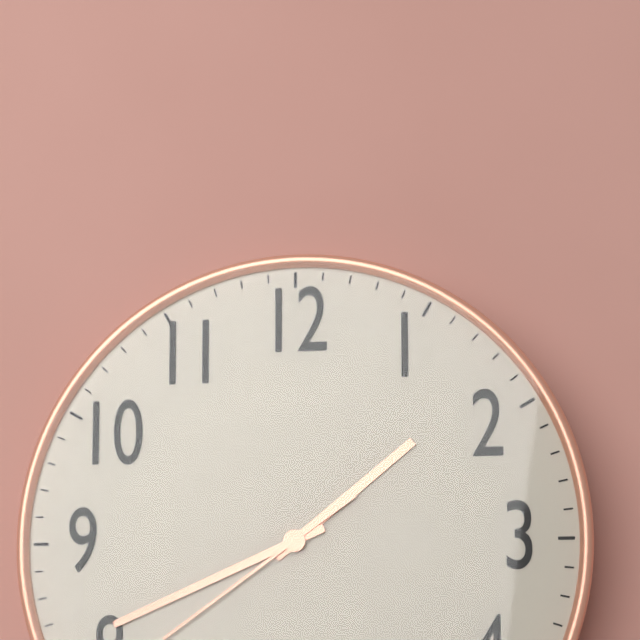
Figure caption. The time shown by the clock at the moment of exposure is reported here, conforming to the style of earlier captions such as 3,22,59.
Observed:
1,41,39
